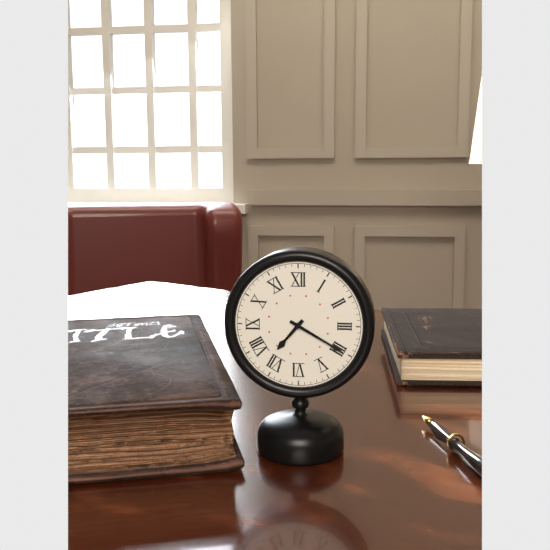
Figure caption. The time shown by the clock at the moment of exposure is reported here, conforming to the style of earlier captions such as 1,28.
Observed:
7,20
